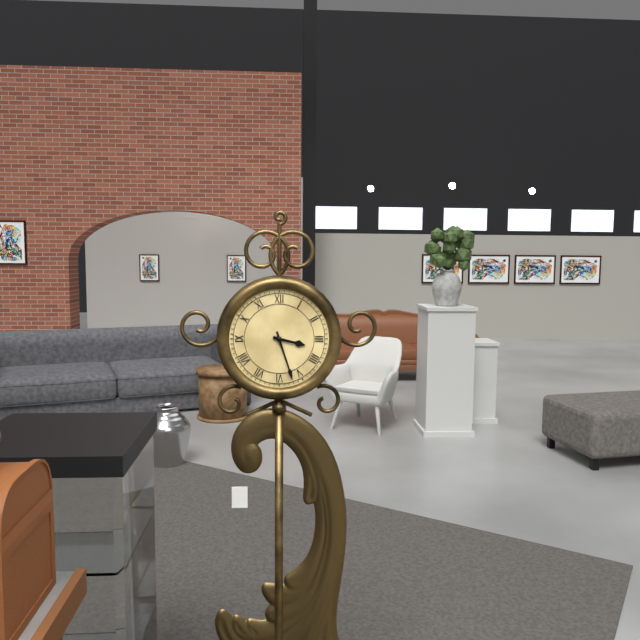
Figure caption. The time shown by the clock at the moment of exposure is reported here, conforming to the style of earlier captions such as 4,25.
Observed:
3,27
